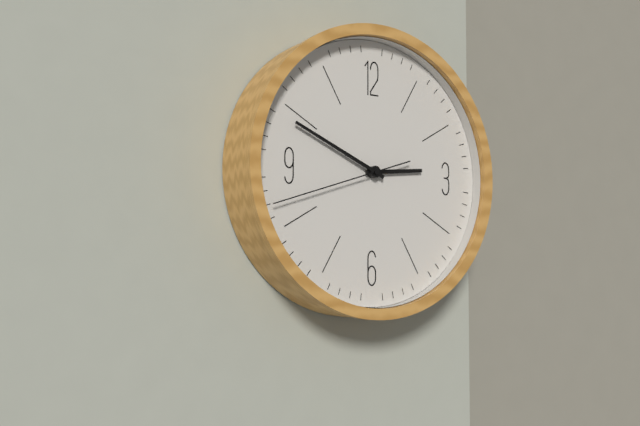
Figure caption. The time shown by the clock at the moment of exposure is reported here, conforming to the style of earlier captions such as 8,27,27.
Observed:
2,49,42
